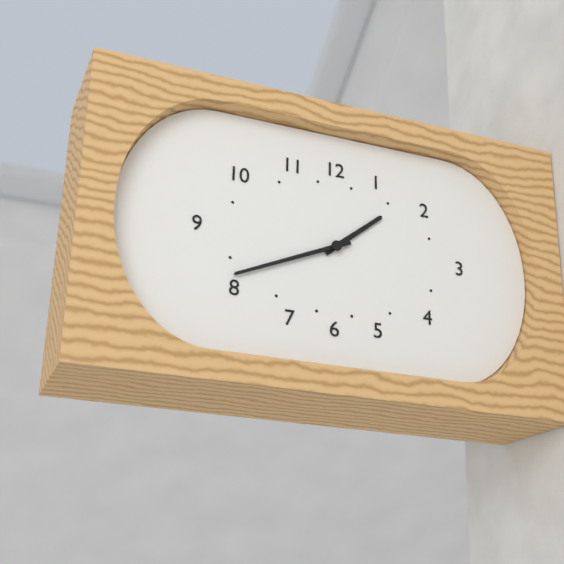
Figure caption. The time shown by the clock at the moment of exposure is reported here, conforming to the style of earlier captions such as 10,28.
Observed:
1,41
